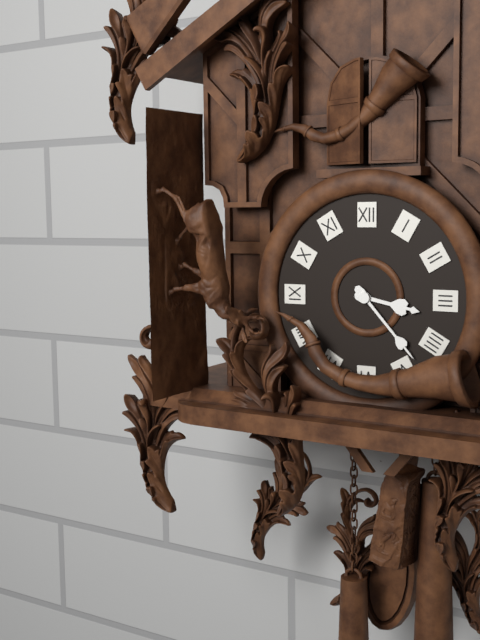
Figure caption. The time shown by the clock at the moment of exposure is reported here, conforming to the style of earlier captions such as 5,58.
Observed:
3,23
